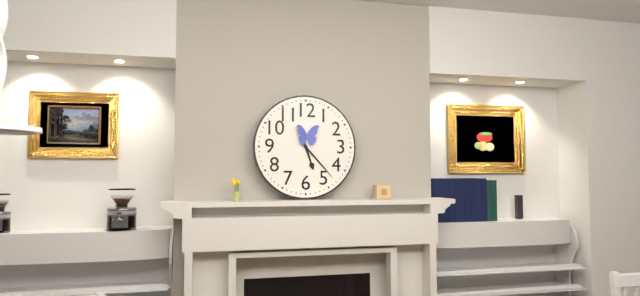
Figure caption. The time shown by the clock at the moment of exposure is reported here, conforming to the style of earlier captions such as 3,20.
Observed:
5,23
